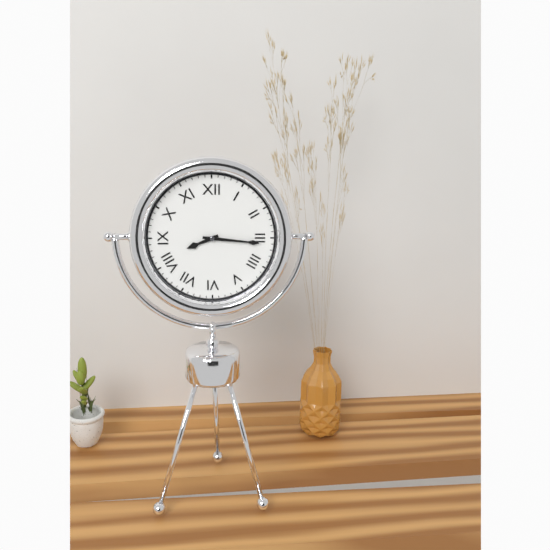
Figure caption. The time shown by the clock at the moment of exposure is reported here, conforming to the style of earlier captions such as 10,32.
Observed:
8,16
